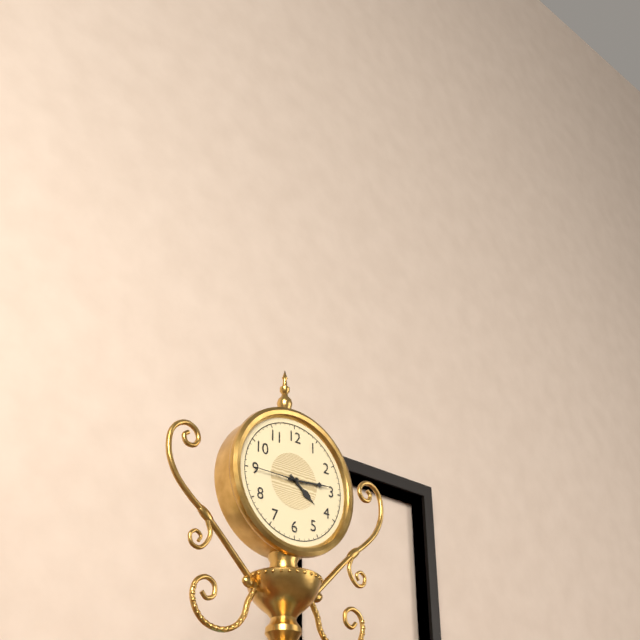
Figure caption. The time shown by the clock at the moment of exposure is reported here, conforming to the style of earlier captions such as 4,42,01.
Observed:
4,14,45
